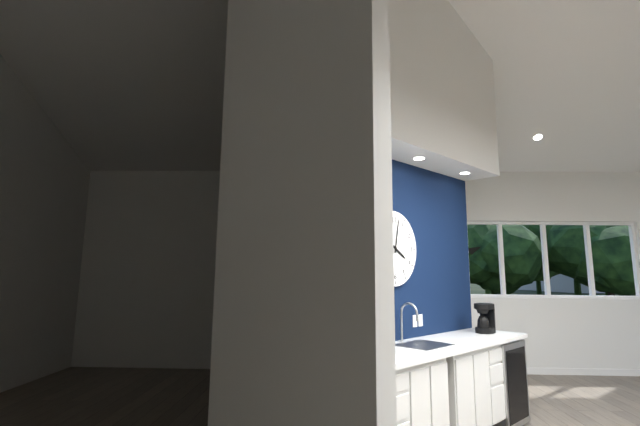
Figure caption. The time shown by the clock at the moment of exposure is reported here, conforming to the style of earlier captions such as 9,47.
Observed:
4,02
